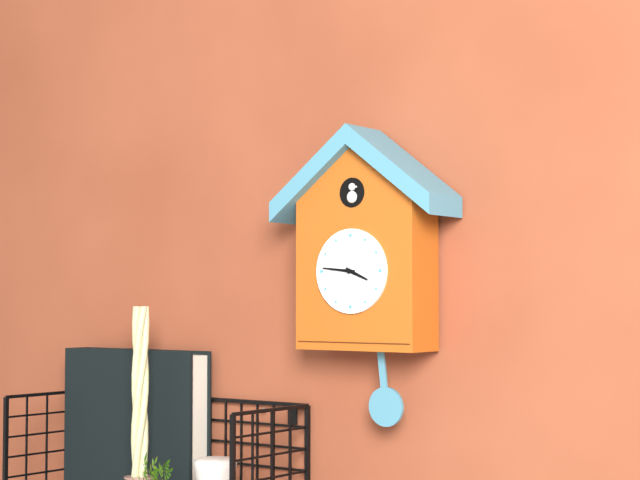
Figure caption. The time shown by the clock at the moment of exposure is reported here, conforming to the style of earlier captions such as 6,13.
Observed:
3,46
